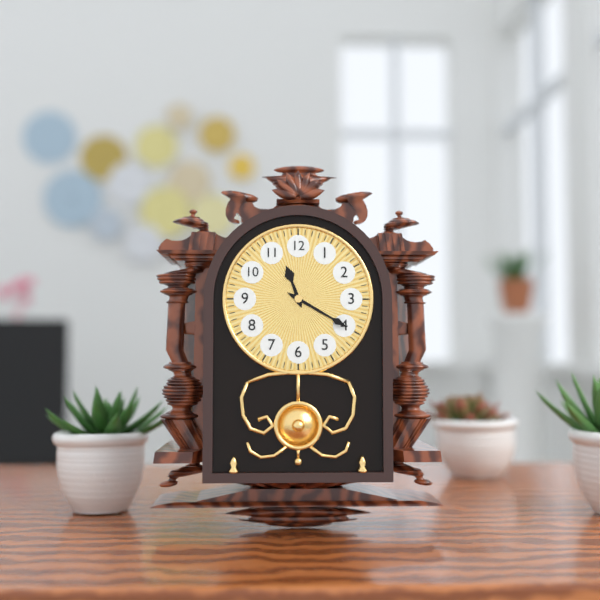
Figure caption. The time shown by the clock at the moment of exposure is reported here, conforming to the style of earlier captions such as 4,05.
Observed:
11,20
